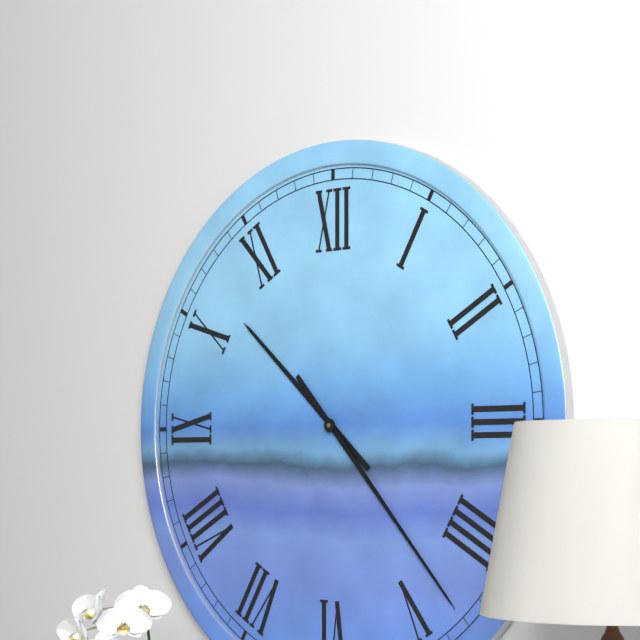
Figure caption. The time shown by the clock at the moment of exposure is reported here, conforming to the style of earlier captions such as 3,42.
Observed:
10,23
